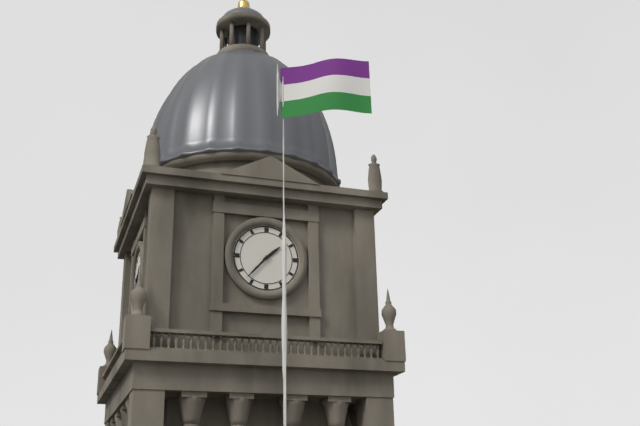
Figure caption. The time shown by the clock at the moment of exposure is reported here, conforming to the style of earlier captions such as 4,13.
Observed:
1,37
